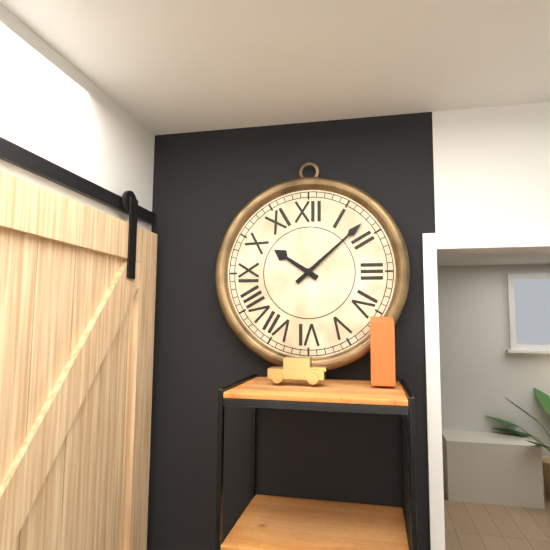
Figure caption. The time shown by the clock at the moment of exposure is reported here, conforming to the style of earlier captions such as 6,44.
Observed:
10,08
